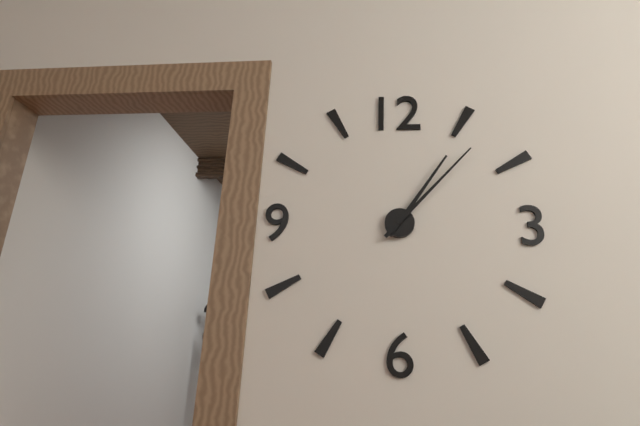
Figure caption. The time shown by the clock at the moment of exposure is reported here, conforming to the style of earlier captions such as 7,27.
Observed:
1,07
